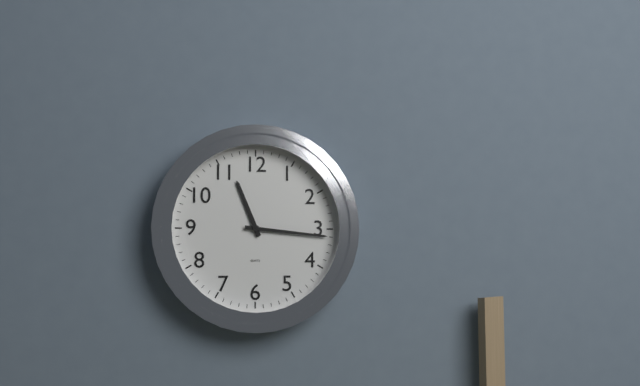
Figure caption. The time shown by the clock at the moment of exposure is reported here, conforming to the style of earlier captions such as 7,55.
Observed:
11,16
